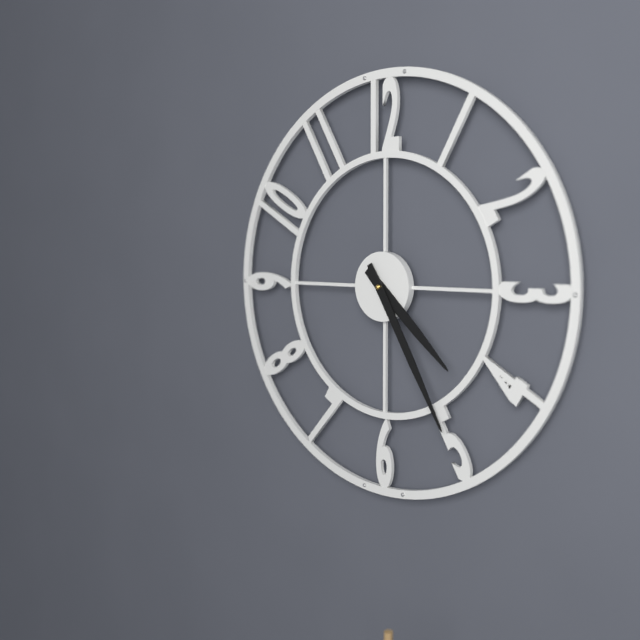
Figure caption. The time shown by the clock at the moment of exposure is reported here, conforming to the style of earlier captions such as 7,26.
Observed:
4,25
